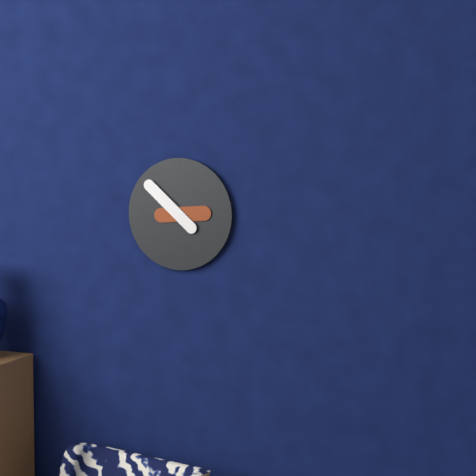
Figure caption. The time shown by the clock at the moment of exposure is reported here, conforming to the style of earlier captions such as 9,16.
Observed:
2,52
